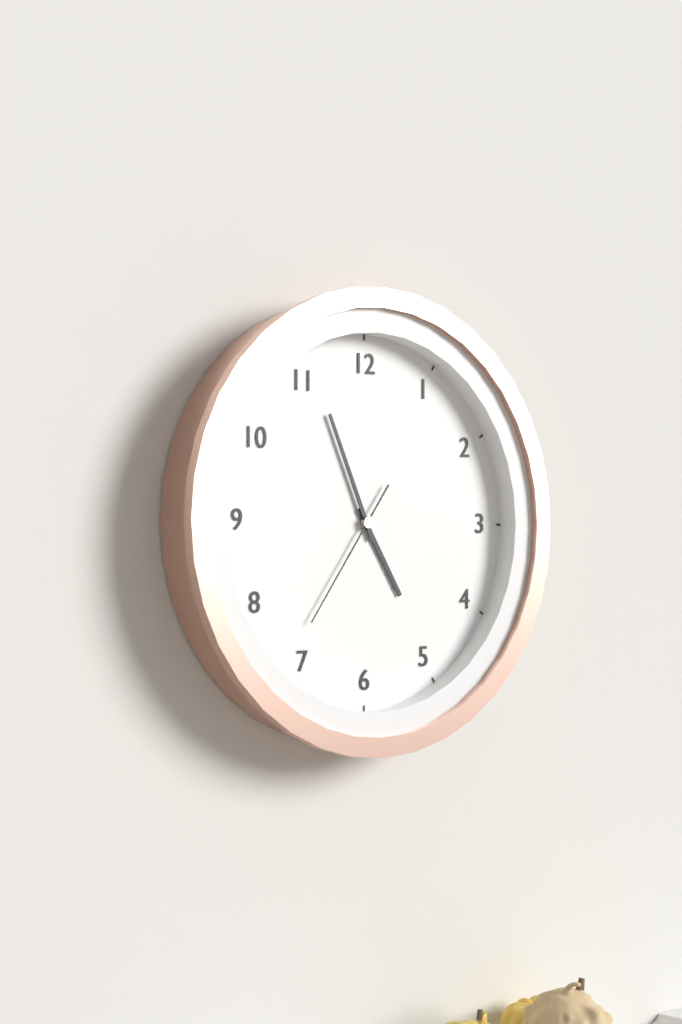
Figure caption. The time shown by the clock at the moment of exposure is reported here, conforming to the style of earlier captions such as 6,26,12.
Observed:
4,56,36
